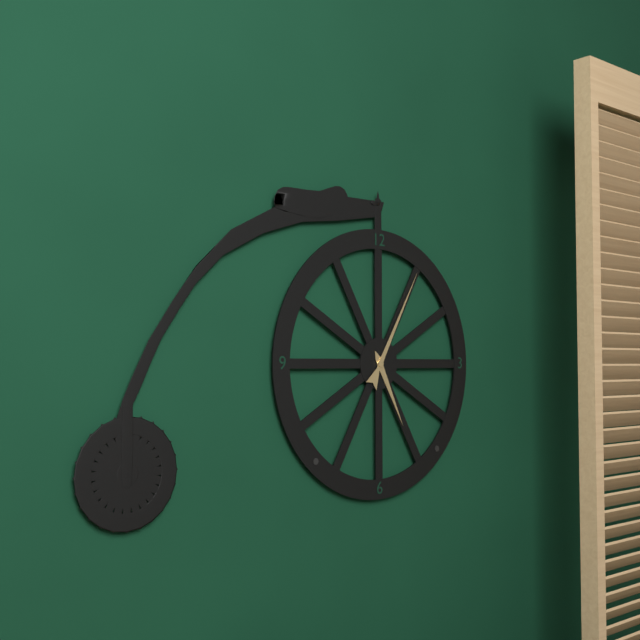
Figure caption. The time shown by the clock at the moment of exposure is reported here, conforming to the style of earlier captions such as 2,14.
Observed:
5,05
